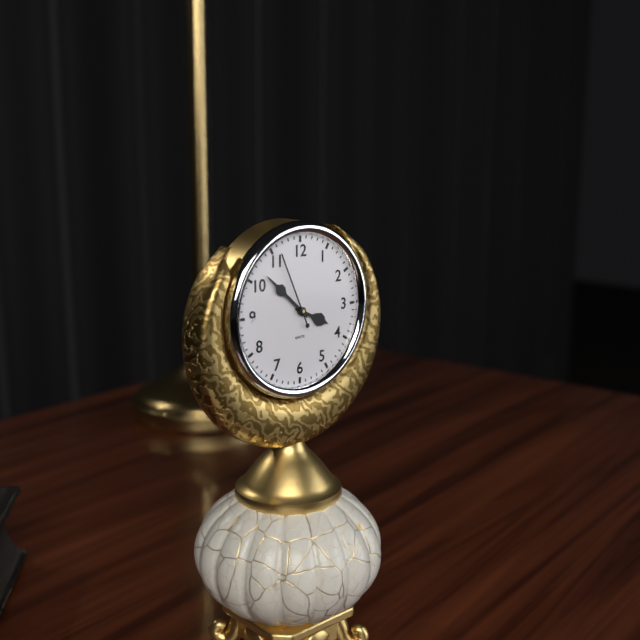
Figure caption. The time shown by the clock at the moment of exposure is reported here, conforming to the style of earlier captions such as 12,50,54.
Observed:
3,52,56
